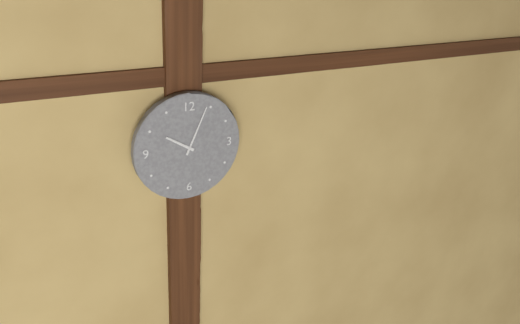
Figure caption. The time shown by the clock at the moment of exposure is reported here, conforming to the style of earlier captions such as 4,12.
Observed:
10,04
